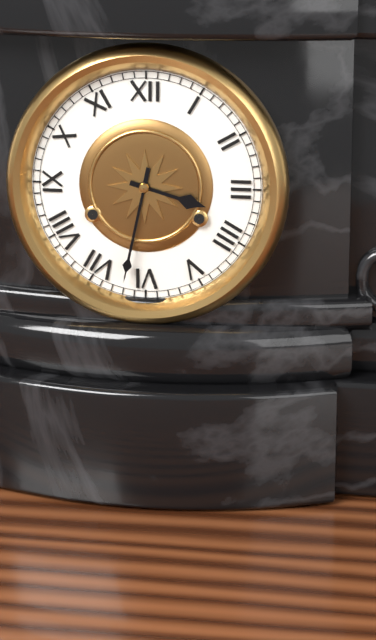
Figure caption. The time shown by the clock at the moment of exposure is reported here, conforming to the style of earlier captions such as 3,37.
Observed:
3,32
